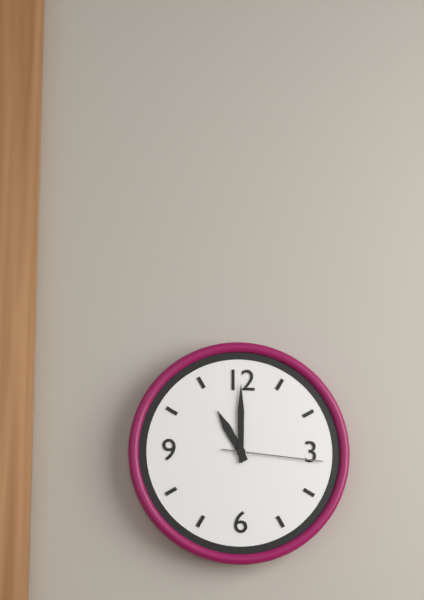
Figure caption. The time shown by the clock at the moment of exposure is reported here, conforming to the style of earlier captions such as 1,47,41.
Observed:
11,00,16
